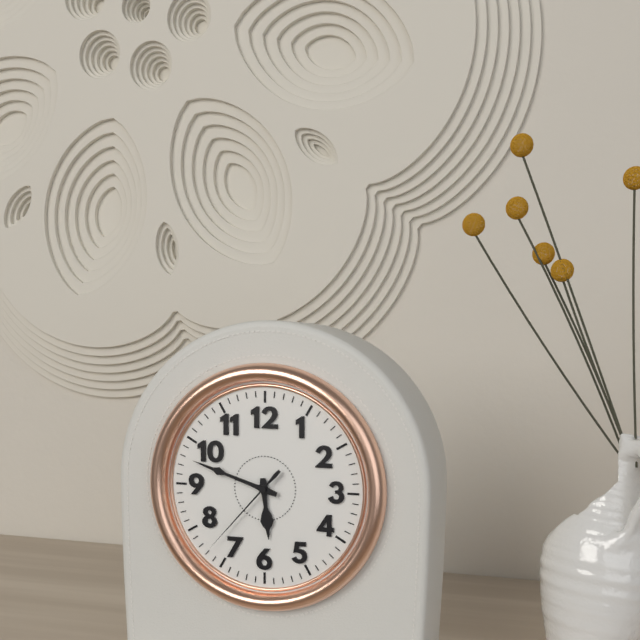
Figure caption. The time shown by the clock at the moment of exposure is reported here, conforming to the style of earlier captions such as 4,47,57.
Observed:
5,48,37
